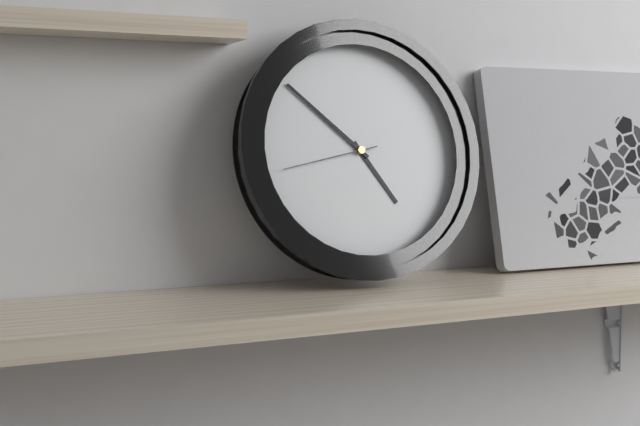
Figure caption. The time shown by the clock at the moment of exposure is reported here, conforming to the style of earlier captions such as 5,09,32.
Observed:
4,52,43
